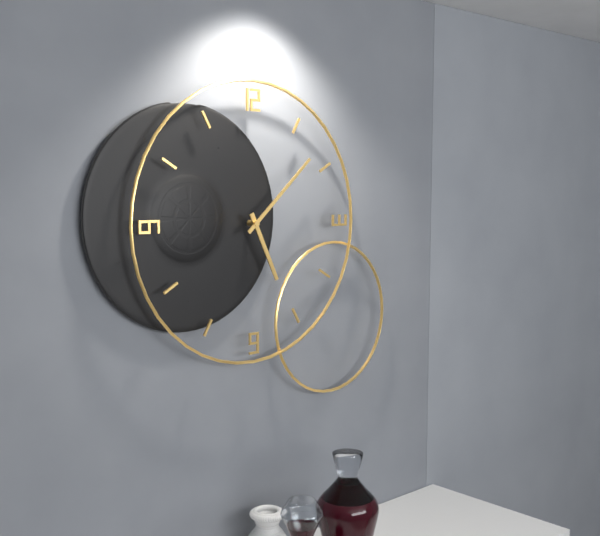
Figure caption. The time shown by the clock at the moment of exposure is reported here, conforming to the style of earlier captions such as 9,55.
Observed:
5,08
